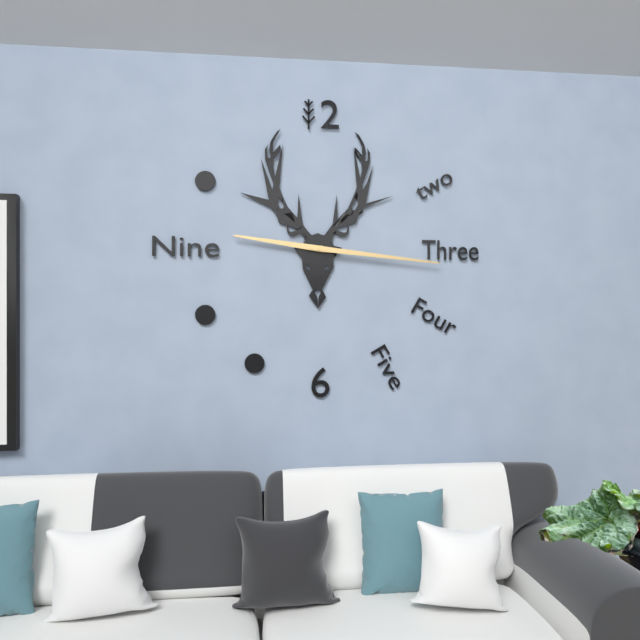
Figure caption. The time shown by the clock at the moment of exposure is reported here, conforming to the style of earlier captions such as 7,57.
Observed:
9,16
